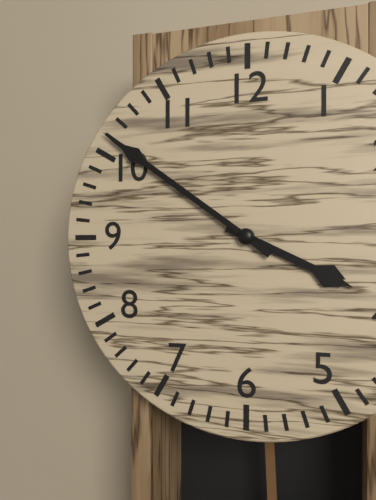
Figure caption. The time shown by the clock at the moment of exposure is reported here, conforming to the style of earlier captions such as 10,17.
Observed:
3,51
